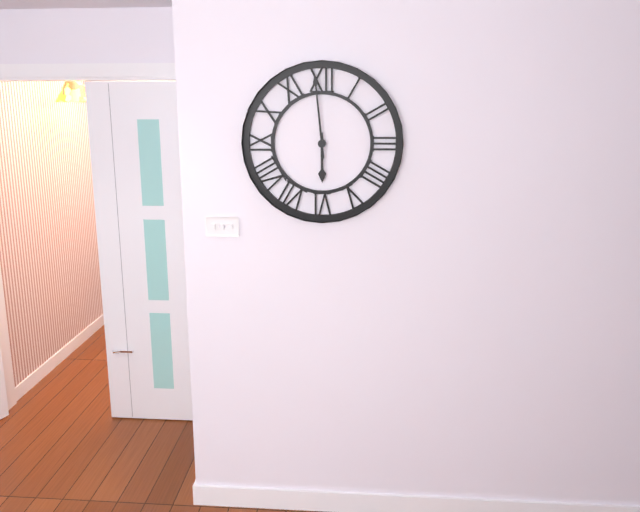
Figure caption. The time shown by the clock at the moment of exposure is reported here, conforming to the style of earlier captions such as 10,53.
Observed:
5,59
